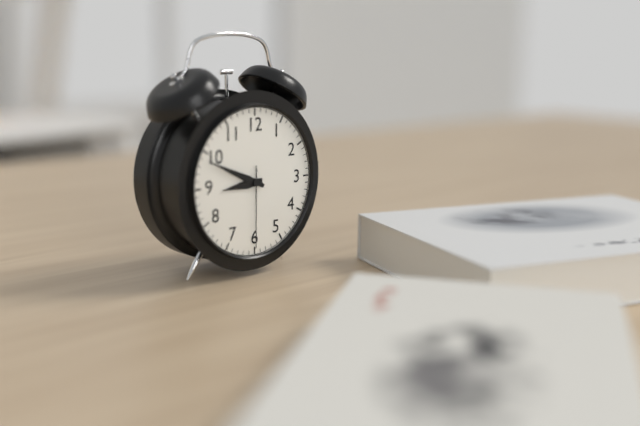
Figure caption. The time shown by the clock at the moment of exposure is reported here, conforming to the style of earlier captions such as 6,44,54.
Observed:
8,49,30
